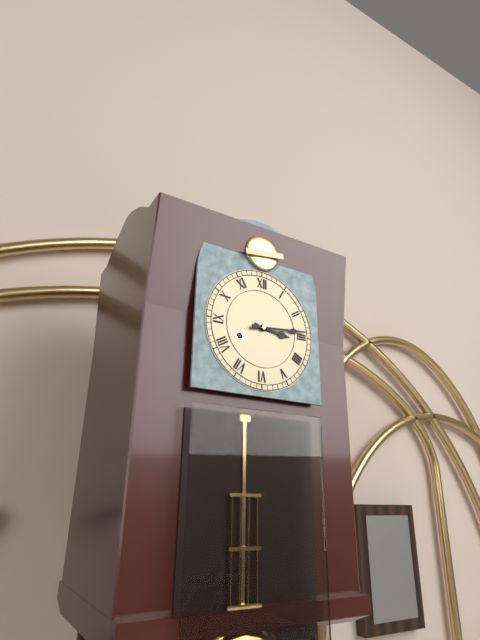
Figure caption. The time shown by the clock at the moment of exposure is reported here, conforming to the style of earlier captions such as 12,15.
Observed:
3,14
